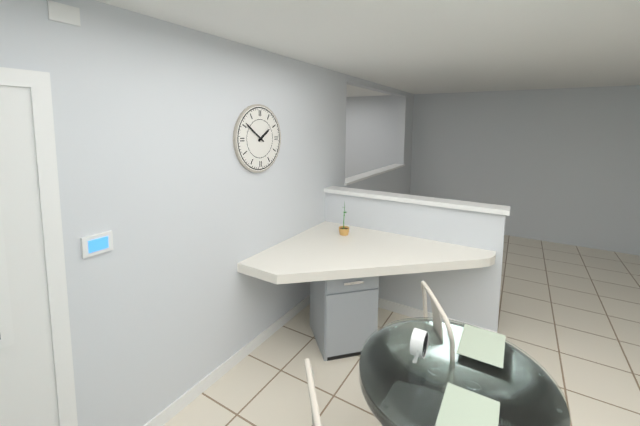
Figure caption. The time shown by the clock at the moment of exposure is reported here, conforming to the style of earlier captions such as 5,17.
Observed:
1,51
